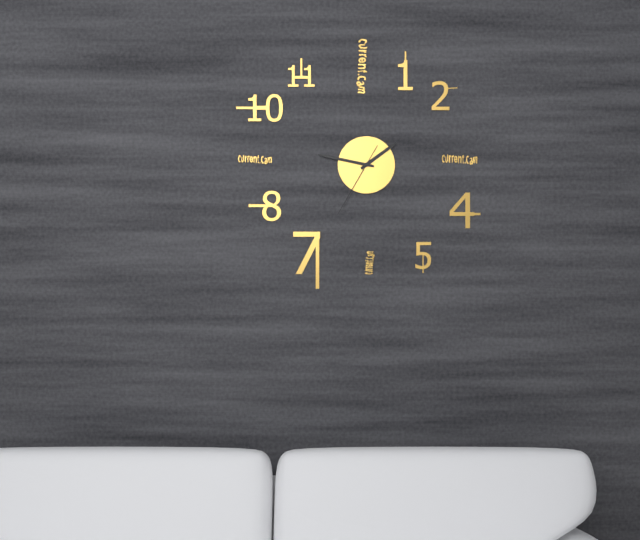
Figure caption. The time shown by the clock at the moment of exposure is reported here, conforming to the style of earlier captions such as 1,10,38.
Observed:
1,47,35
